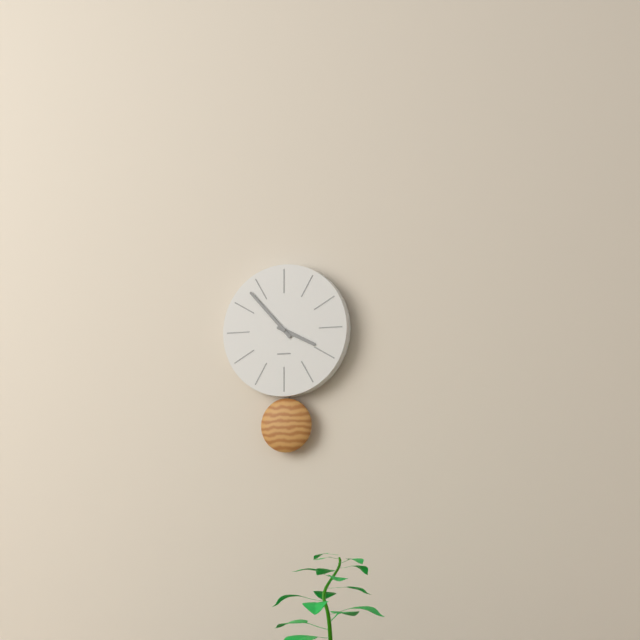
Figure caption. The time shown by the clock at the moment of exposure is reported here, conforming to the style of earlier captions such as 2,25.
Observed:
3,53
